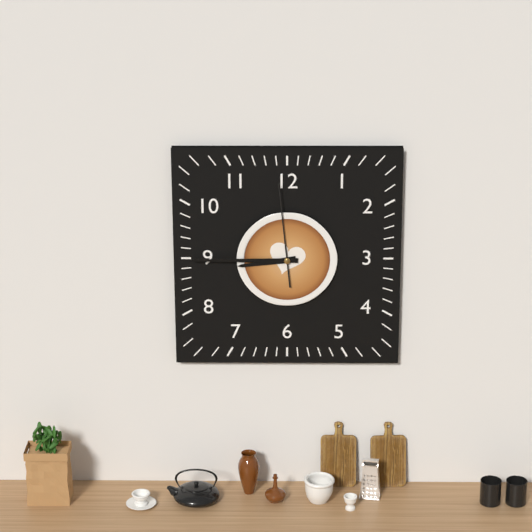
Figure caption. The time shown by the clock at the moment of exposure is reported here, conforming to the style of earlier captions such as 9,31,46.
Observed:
8,45,59
